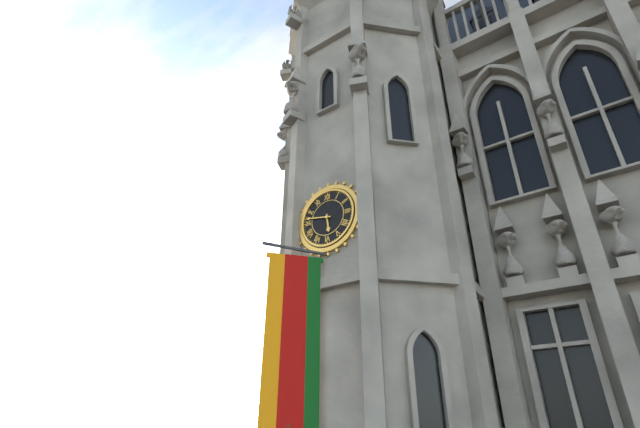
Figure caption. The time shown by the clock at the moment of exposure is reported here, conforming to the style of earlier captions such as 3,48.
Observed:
5,47
